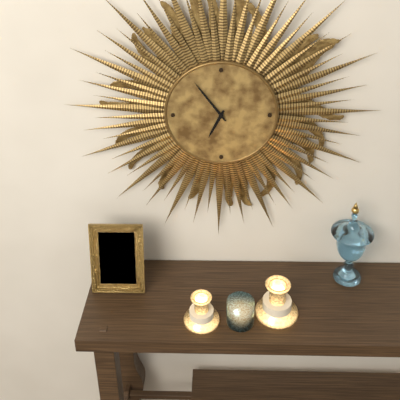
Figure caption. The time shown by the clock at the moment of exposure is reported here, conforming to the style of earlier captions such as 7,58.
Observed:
6,54
